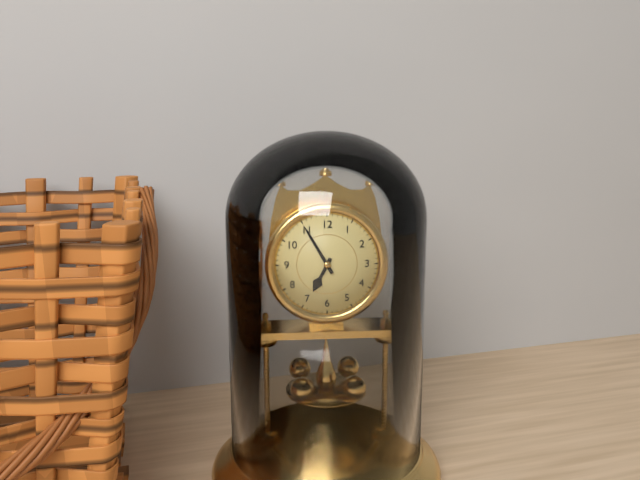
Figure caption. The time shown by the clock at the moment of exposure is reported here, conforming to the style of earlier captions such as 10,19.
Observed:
6,55
